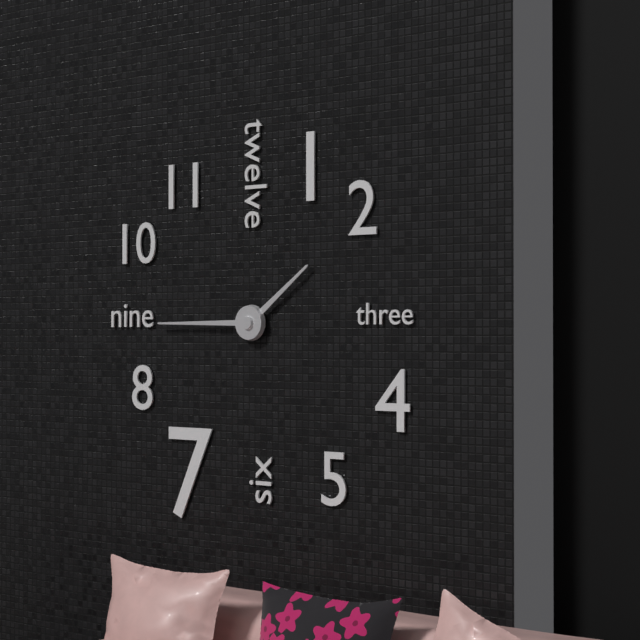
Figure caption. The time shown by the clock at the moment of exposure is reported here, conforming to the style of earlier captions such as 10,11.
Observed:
1,45
